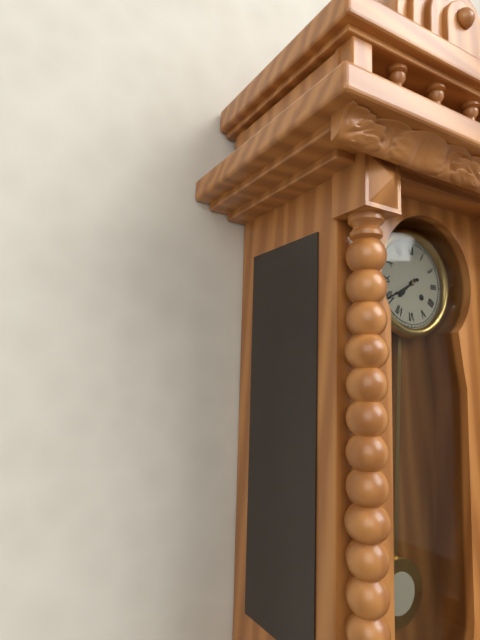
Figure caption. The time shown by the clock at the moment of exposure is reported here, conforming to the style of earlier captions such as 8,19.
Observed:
7,40
